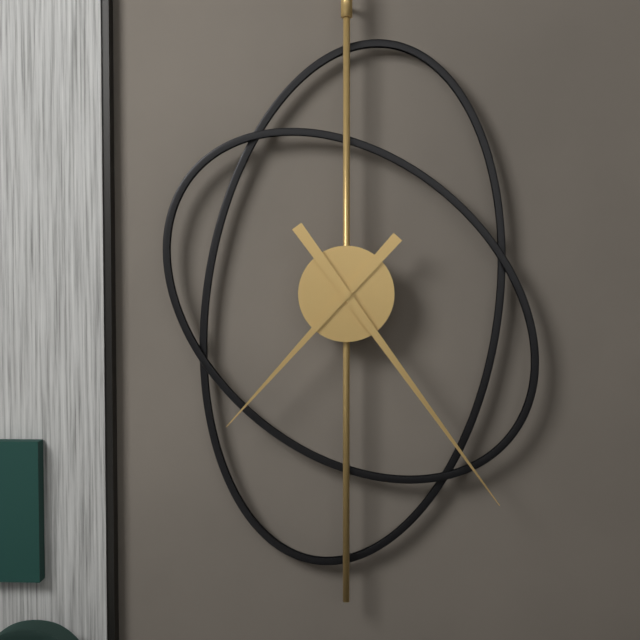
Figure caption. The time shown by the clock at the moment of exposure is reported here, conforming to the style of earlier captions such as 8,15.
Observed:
7,24
